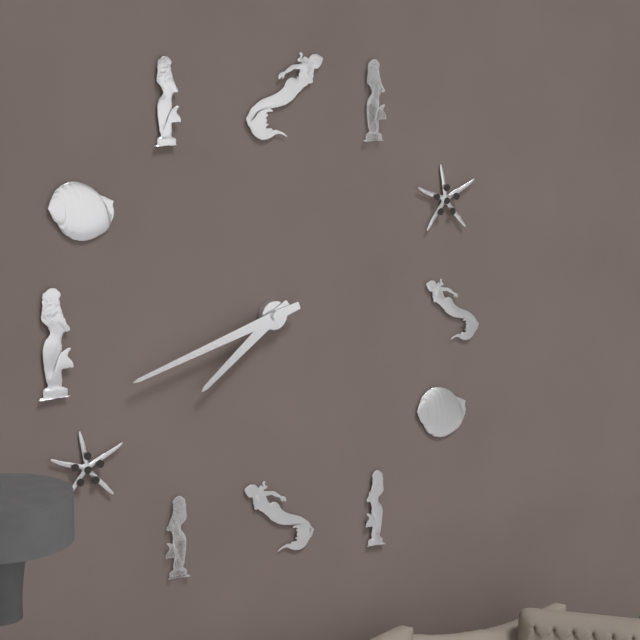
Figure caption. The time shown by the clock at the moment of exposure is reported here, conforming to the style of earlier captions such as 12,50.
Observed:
7,42
